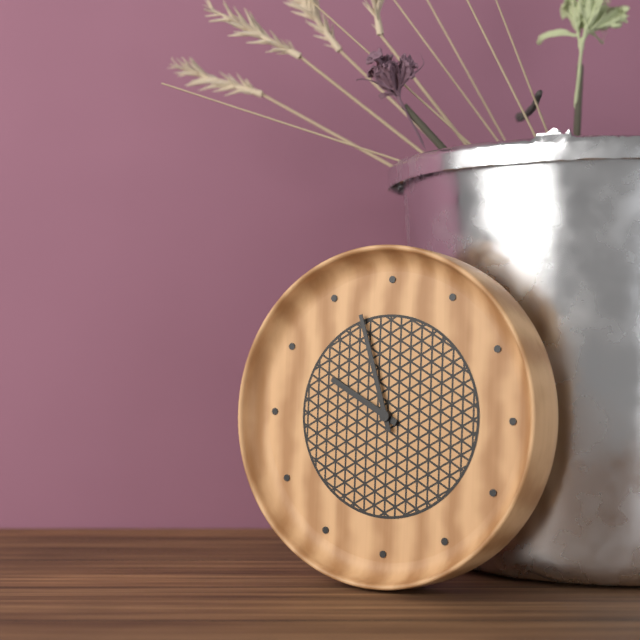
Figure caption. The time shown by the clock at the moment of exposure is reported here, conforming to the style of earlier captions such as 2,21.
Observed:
9,57
